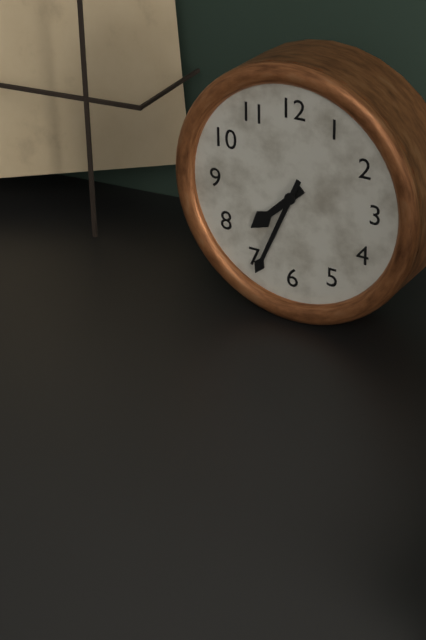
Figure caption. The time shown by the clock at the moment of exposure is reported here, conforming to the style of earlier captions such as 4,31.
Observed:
7,34
